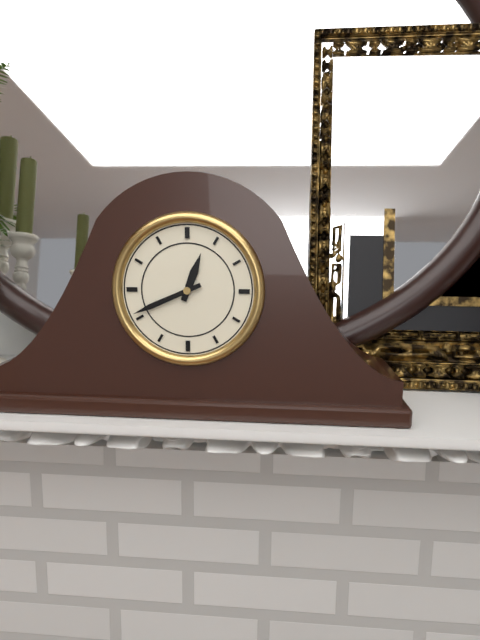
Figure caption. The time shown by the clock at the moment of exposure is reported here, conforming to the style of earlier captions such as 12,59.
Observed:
12,41
